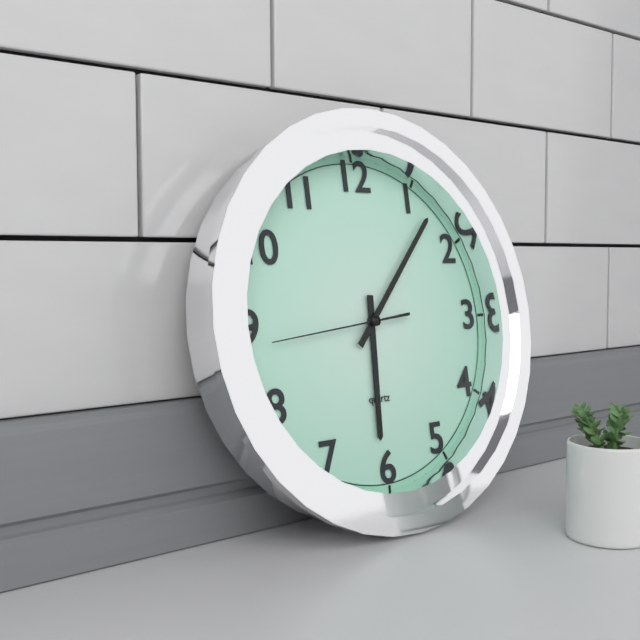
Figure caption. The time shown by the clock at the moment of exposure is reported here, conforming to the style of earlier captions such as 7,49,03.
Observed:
6,07,44
